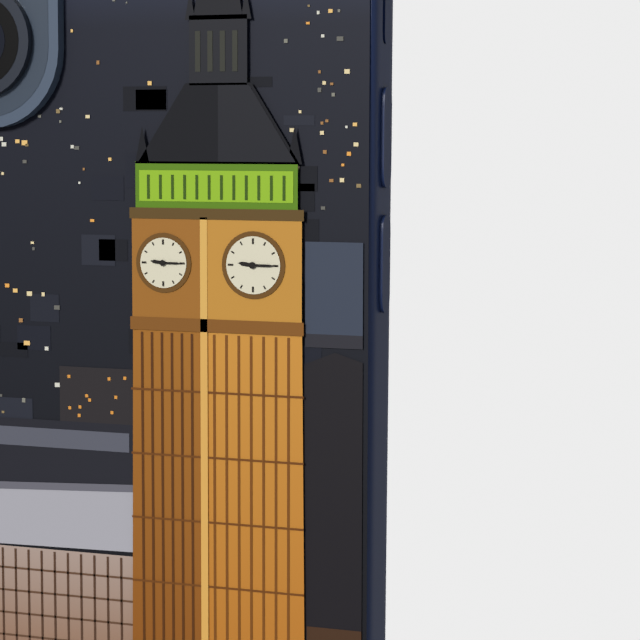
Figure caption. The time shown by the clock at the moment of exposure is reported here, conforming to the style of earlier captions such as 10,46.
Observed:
9,15
